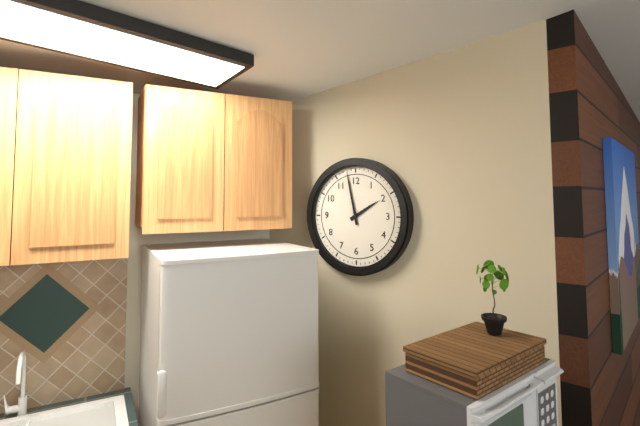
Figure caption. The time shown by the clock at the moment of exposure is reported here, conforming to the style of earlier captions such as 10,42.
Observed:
1,58
